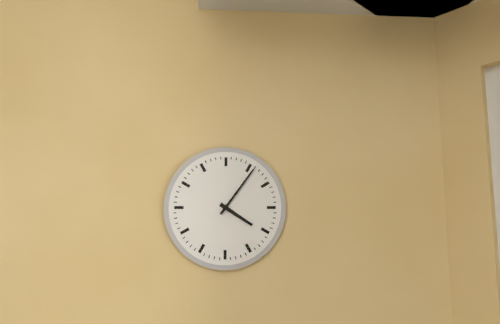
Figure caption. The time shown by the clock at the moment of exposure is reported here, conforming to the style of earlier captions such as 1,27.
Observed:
4,06
